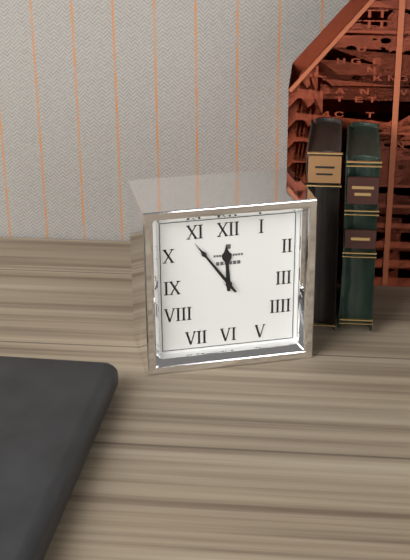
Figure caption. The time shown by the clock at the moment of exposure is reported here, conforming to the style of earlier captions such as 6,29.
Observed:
11,54
